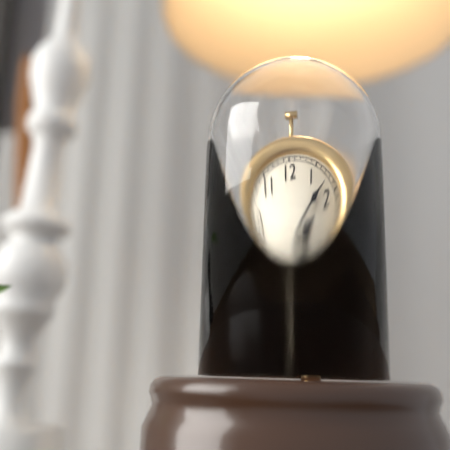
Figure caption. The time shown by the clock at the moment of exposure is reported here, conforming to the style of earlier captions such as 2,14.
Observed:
2,08
